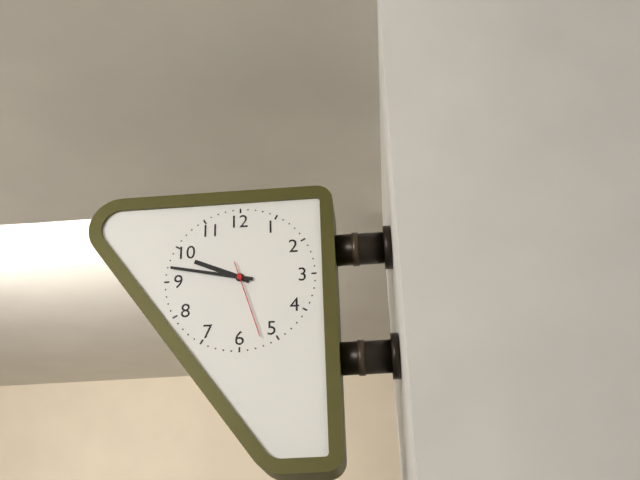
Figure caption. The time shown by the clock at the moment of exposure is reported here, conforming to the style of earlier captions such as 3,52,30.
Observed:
9,47,27
